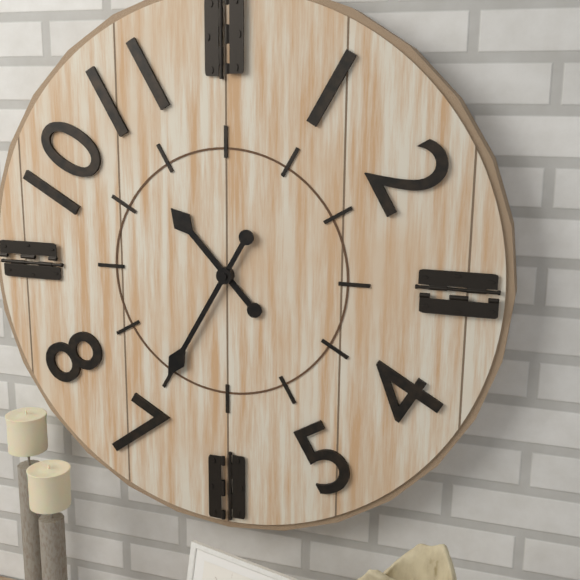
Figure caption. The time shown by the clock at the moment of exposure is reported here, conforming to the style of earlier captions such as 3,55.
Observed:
10,35
